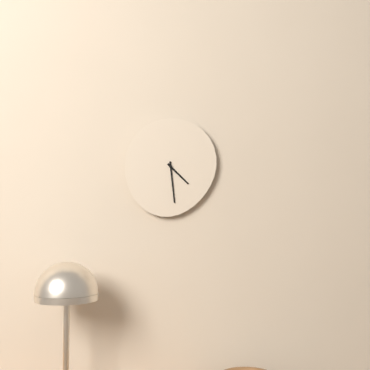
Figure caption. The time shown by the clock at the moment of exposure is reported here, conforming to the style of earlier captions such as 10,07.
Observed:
4,29
